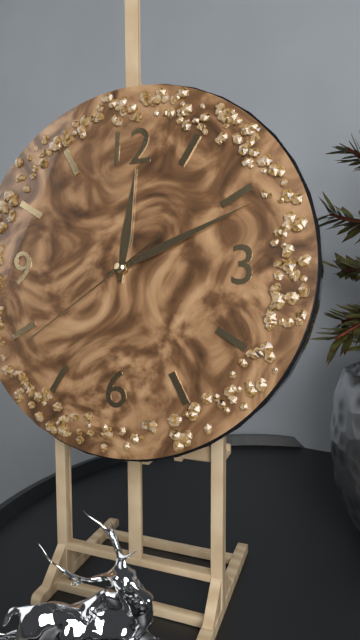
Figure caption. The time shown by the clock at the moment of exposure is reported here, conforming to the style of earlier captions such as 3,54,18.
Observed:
12,11,39
